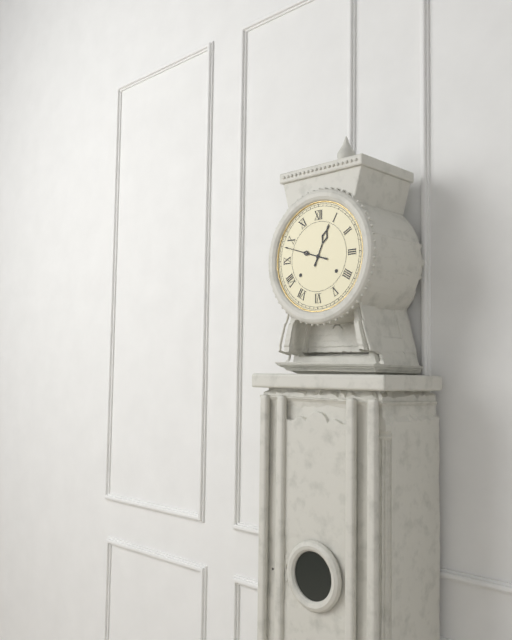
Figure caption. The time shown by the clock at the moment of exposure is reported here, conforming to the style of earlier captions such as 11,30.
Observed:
12,48
